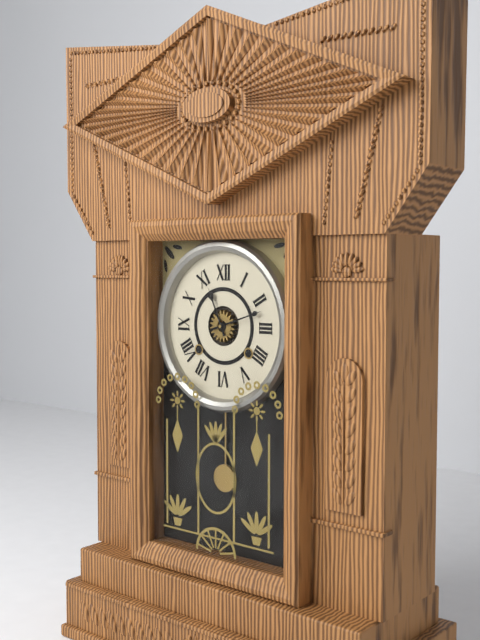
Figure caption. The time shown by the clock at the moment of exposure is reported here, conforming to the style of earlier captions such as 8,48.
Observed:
11,12
